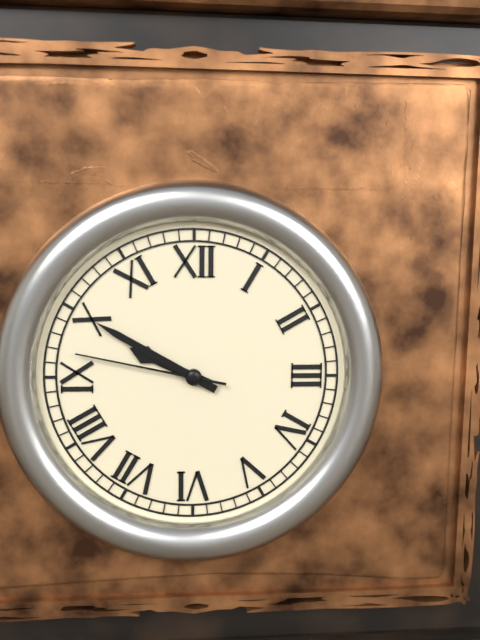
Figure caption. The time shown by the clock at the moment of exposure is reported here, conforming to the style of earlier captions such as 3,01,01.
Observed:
9,50,47
